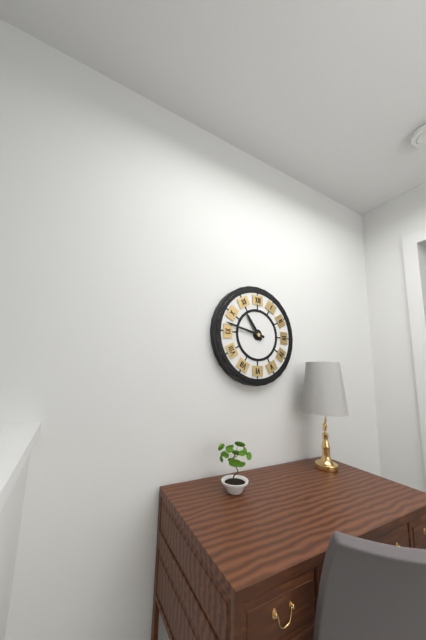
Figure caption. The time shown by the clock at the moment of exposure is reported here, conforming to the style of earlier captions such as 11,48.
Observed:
10,47
